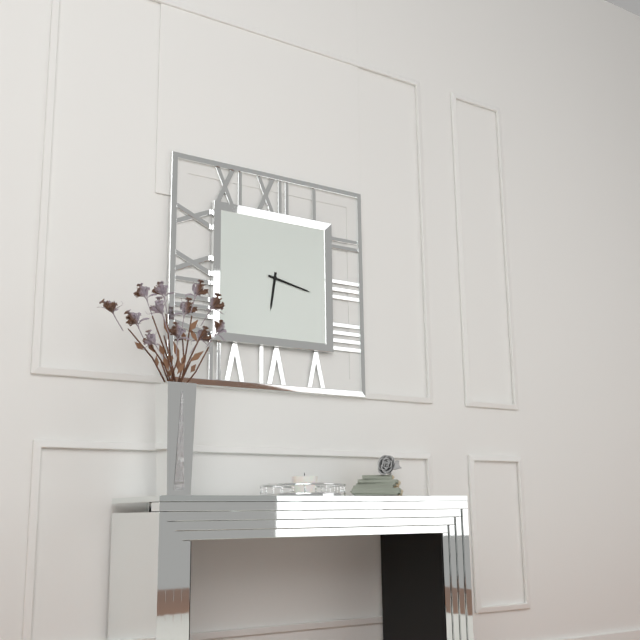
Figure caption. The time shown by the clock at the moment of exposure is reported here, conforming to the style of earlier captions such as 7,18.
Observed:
6,17
